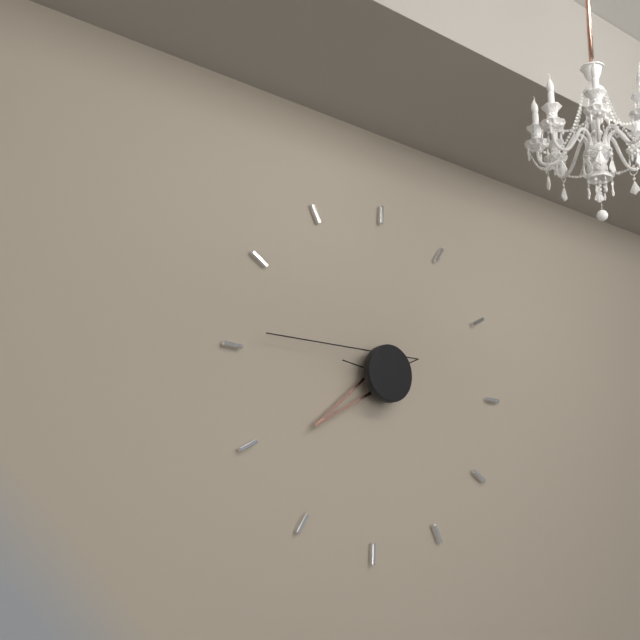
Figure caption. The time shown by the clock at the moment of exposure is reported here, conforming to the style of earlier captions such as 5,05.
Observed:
7,46
